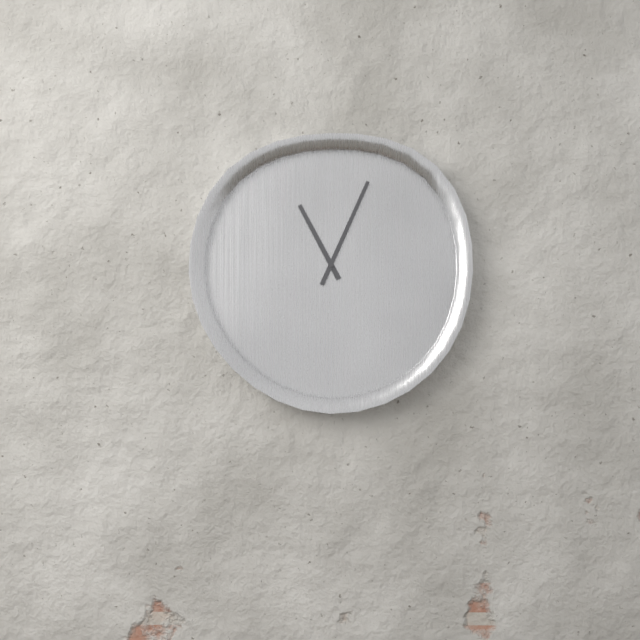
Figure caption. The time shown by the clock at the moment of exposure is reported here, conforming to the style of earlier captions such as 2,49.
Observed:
11,04
